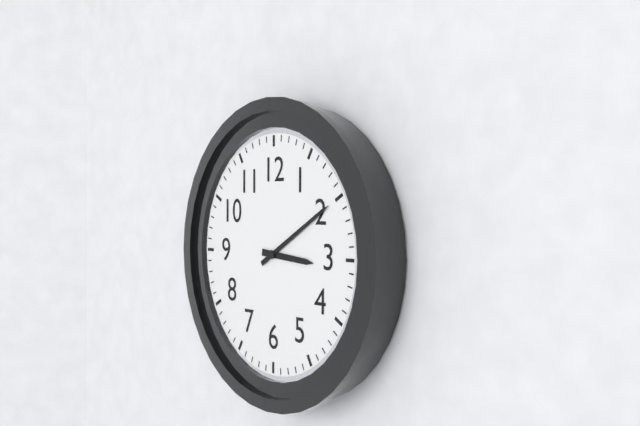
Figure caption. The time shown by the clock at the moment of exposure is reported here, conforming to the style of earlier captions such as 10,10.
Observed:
3,10
